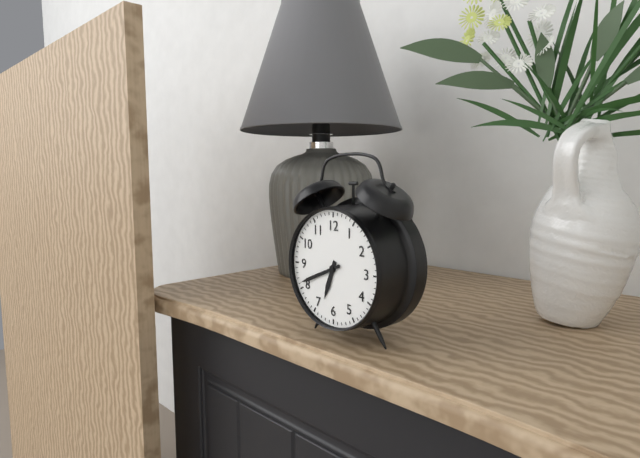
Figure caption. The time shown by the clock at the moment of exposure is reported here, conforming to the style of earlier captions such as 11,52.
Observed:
6,41
